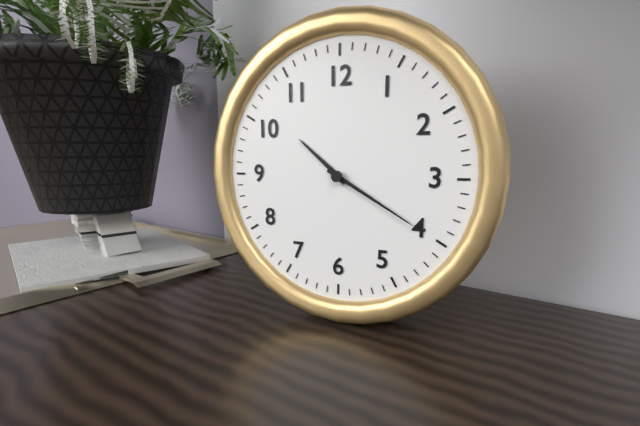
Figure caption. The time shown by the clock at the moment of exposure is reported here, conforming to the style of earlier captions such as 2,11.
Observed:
10,20
